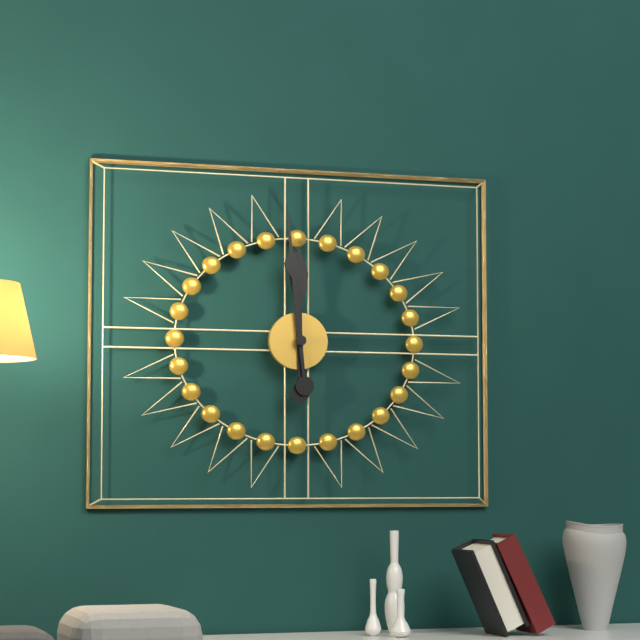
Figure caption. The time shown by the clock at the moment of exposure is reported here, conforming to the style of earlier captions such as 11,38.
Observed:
11,59
